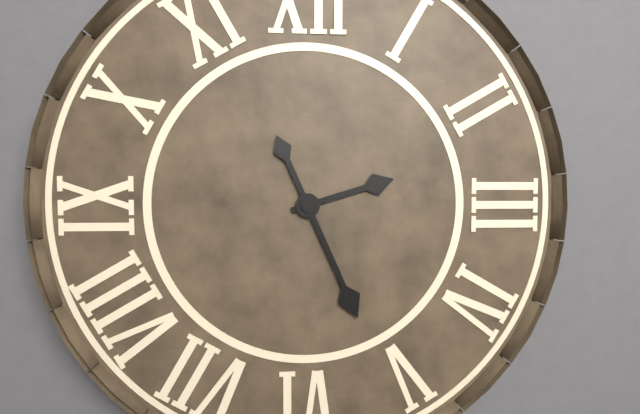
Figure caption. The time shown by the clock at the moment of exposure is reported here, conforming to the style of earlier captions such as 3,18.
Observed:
2,26
